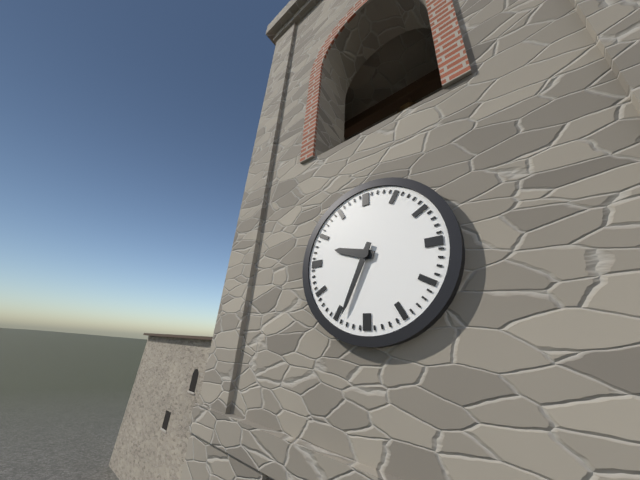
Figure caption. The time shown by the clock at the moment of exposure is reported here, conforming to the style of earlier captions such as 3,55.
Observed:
9,34
